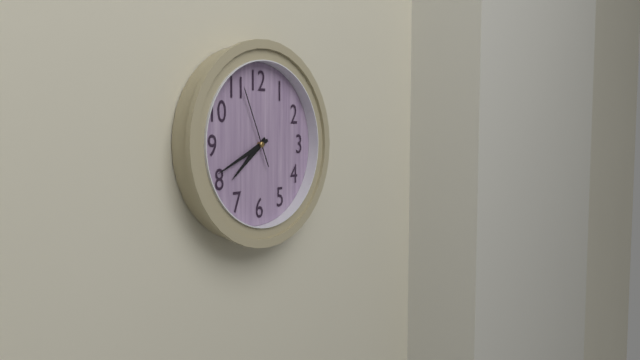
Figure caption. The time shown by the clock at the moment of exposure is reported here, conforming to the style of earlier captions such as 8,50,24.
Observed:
7,41,56
